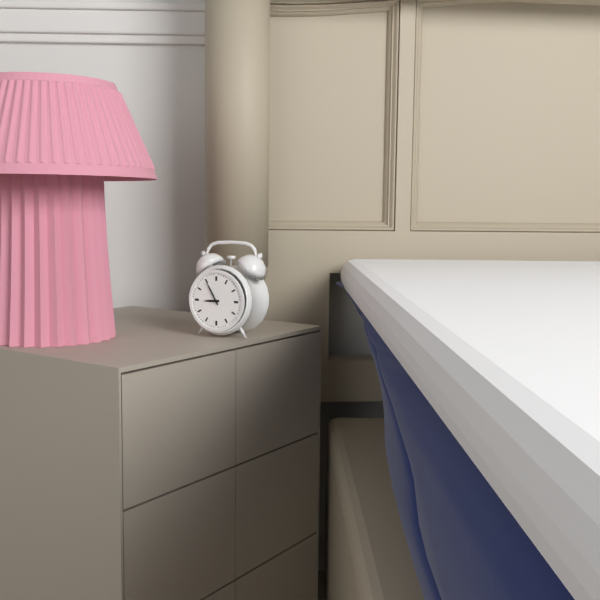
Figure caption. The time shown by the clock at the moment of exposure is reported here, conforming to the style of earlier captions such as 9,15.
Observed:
8,55
